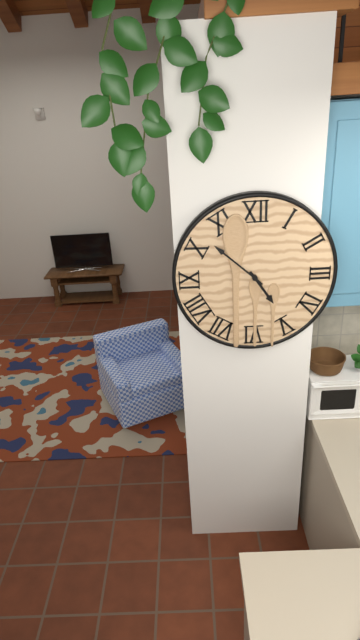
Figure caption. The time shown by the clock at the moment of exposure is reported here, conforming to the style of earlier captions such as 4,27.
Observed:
4,52
